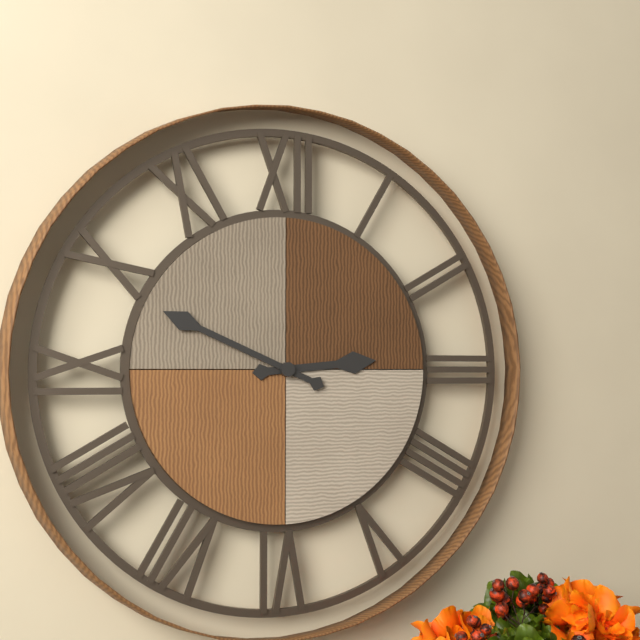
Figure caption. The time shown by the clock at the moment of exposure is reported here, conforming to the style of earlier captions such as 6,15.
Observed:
2,49
